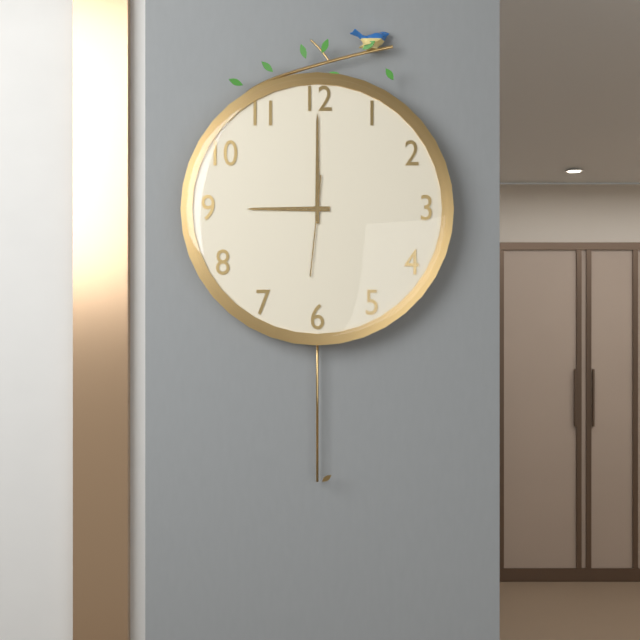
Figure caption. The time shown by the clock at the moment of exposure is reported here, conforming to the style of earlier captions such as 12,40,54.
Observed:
9,00,31
